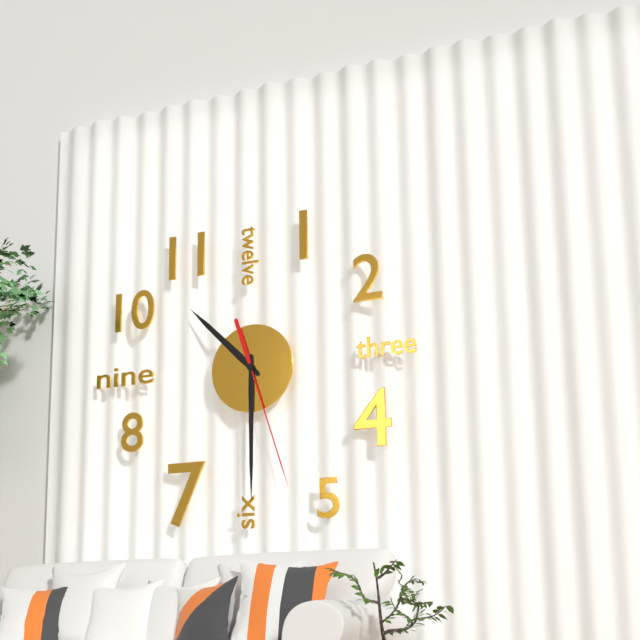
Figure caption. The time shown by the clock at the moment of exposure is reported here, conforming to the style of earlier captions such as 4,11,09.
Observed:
10,30,27
